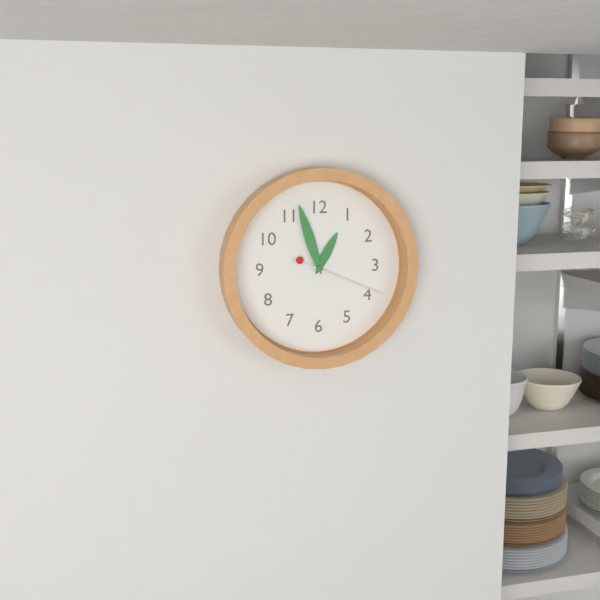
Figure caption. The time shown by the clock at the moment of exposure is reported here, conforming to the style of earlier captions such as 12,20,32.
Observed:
12,57,19
